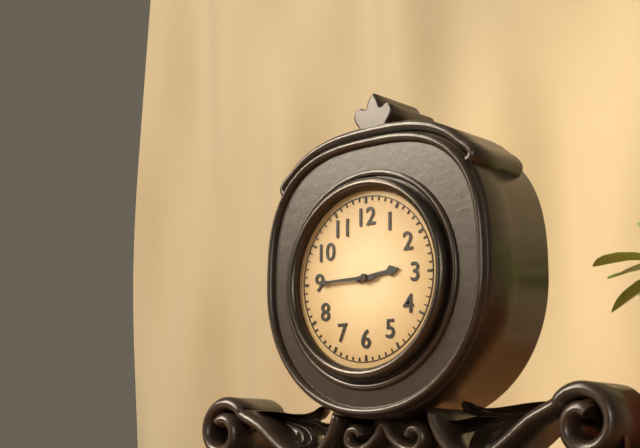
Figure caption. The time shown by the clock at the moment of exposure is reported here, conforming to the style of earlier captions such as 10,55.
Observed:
2,45
